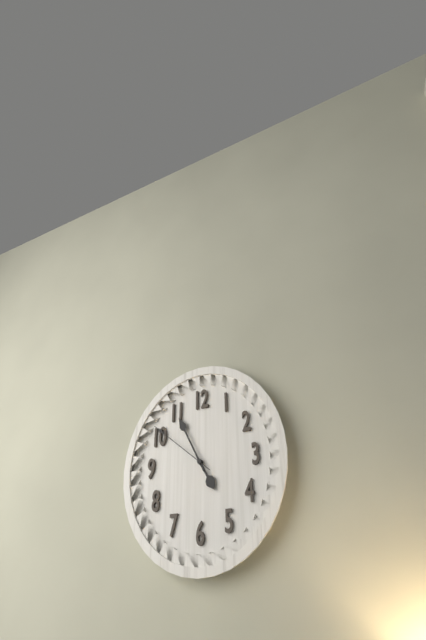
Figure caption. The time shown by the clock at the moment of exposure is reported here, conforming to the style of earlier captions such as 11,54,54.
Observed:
4,55,51
